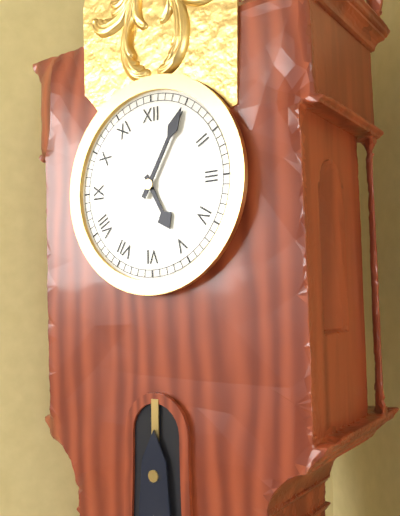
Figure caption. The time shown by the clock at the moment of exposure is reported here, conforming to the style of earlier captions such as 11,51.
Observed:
5,05
